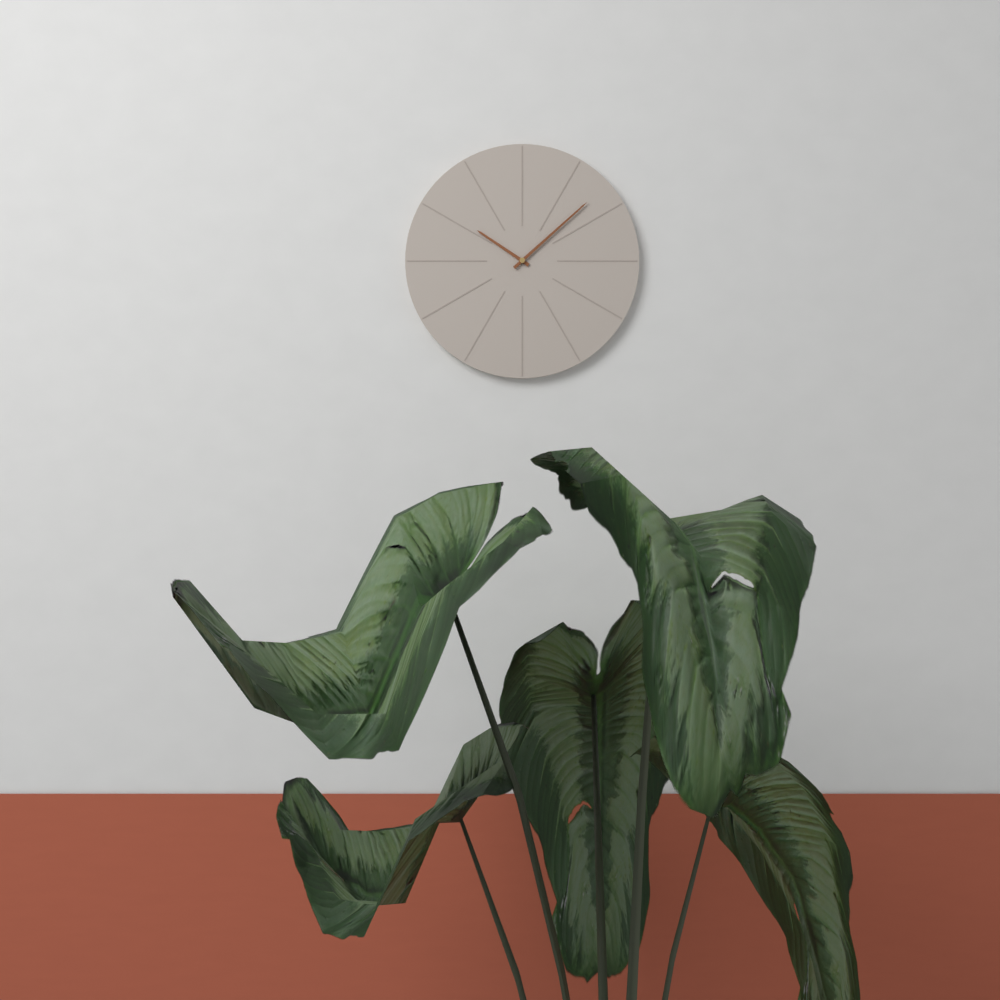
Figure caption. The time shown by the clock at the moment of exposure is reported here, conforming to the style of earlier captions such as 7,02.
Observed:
10,08
